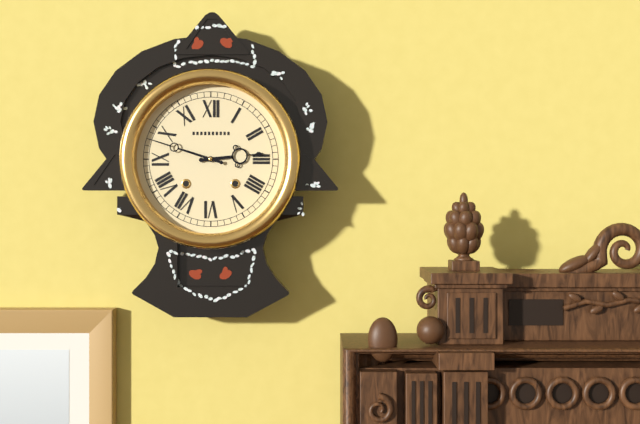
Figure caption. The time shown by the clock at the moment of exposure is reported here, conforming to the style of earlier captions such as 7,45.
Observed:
2,48
